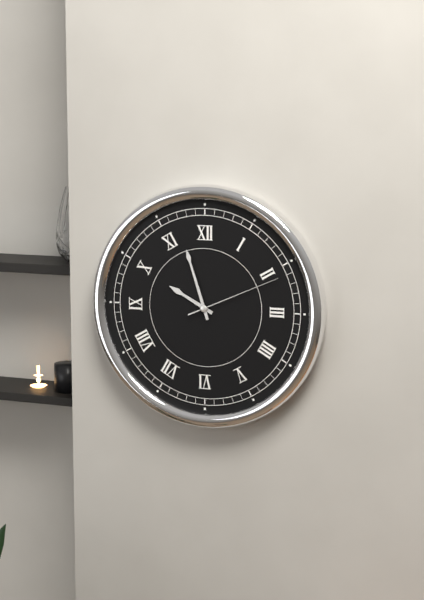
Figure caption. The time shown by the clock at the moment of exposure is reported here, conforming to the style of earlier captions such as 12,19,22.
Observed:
9,57,11
